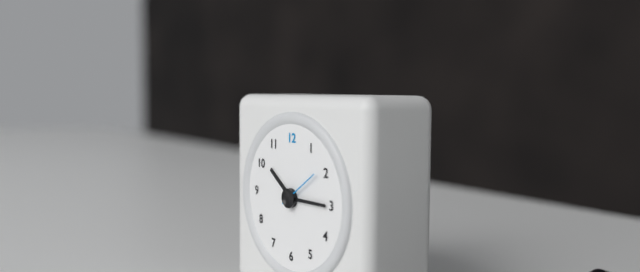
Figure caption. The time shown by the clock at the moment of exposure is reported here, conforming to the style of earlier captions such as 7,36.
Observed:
10,15
